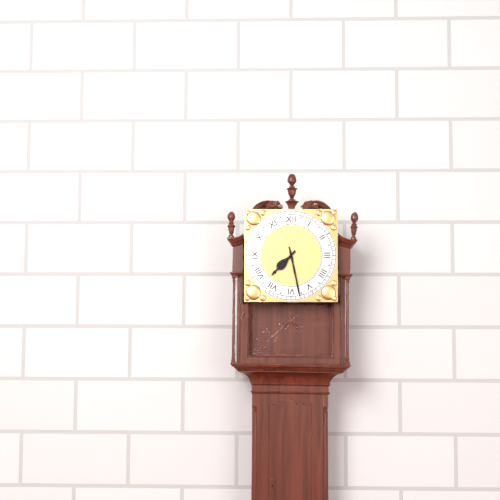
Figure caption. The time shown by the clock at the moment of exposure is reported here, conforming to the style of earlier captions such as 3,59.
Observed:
7,28
